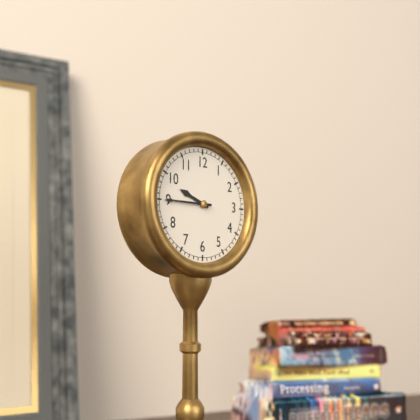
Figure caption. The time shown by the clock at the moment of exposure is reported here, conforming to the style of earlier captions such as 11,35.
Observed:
9,45
